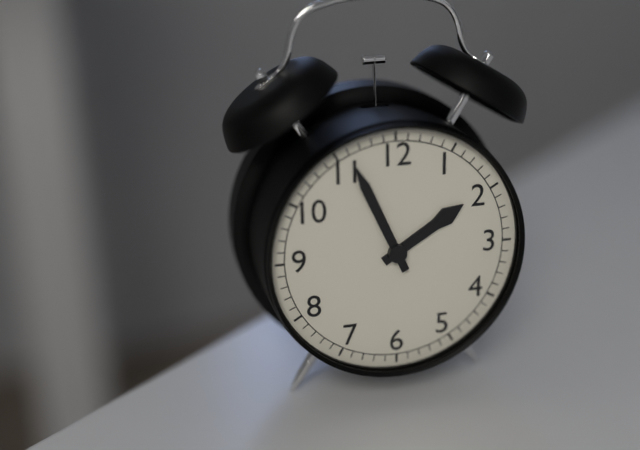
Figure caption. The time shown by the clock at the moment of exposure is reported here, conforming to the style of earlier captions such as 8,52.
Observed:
1,56
